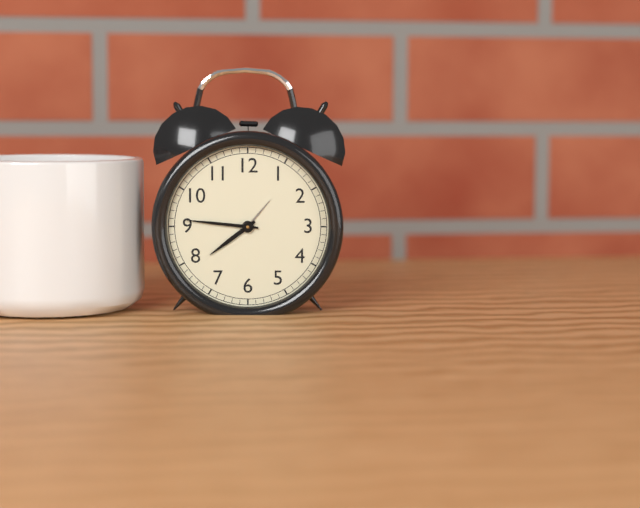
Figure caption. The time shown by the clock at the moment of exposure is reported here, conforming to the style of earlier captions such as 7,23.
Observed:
7,46
